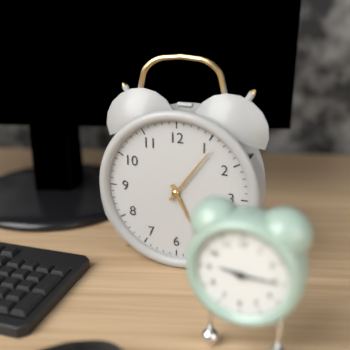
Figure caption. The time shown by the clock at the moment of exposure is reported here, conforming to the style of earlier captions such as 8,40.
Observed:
5,06
